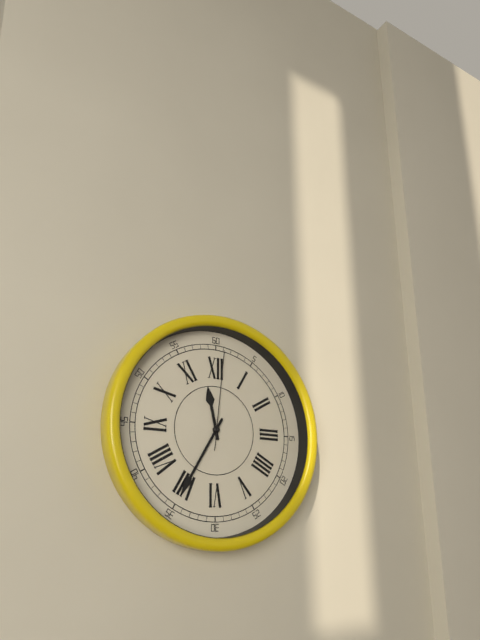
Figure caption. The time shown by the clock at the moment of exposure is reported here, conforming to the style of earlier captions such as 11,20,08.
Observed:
11,35,01
